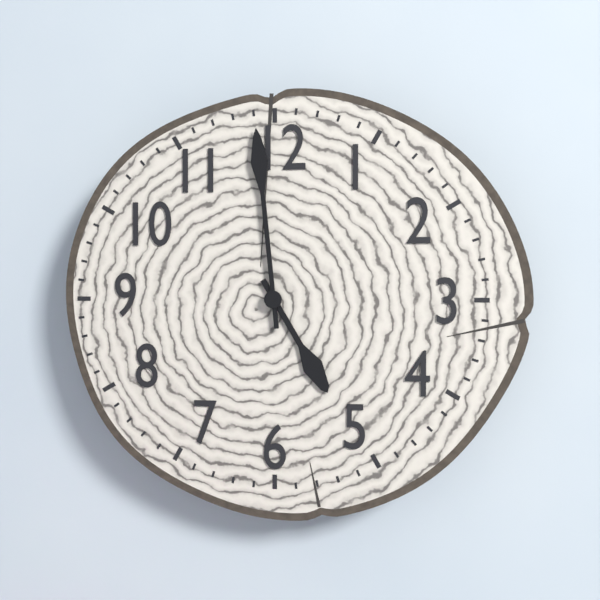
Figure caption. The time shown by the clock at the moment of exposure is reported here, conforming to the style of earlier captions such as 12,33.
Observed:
4,59
